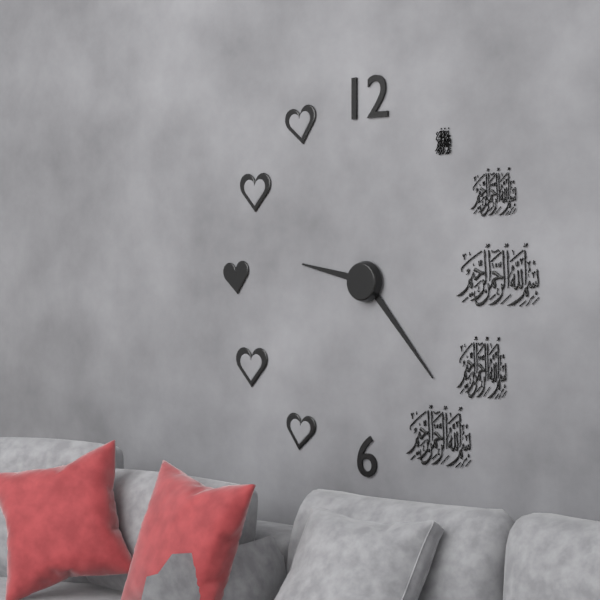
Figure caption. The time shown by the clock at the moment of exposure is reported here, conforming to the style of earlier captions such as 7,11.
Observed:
9,23
